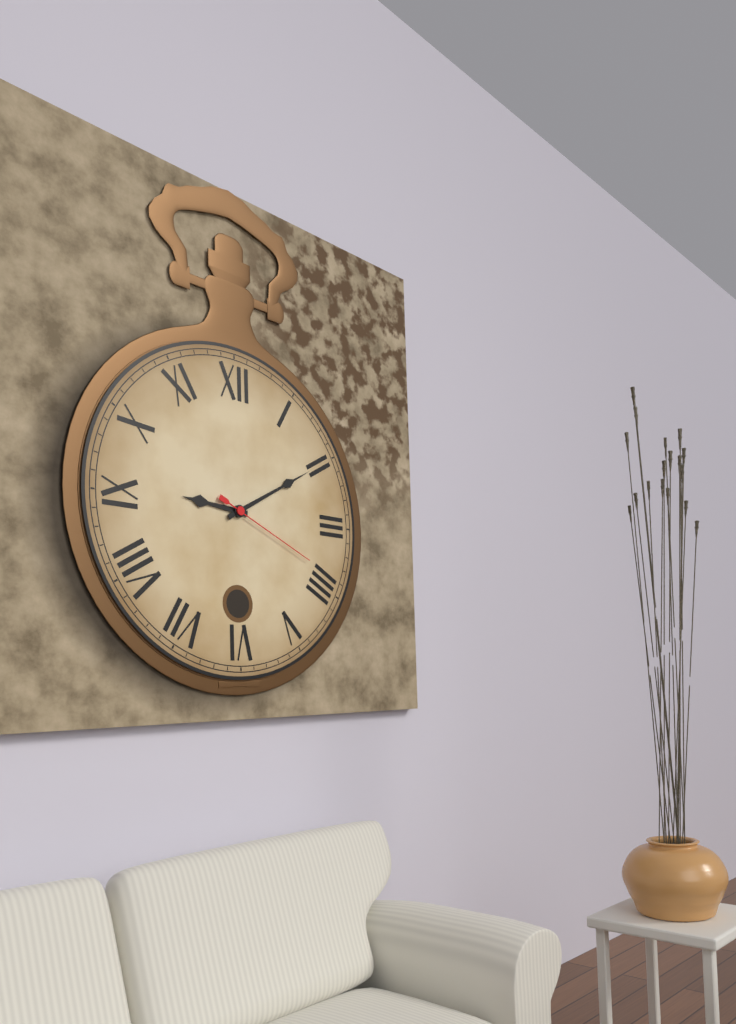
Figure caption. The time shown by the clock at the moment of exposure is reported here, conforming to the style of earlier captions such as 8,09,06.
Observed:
9,10,19
